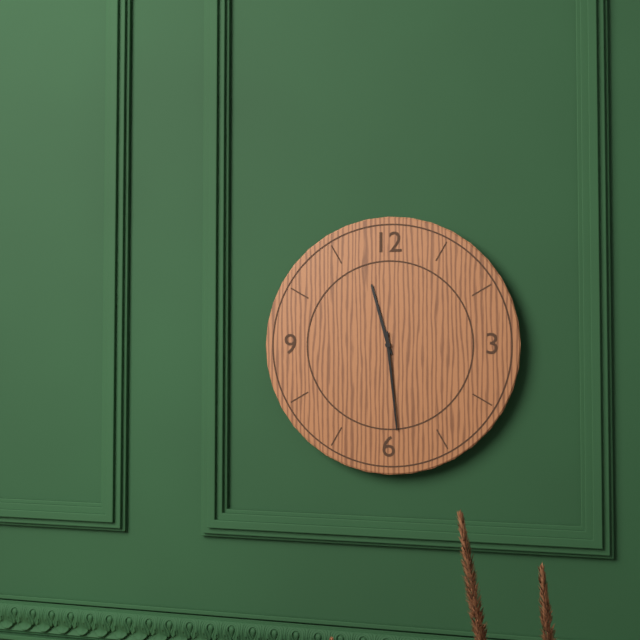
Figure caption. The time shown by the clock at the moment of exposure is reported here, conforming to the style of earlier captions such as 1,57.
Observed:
11,29
